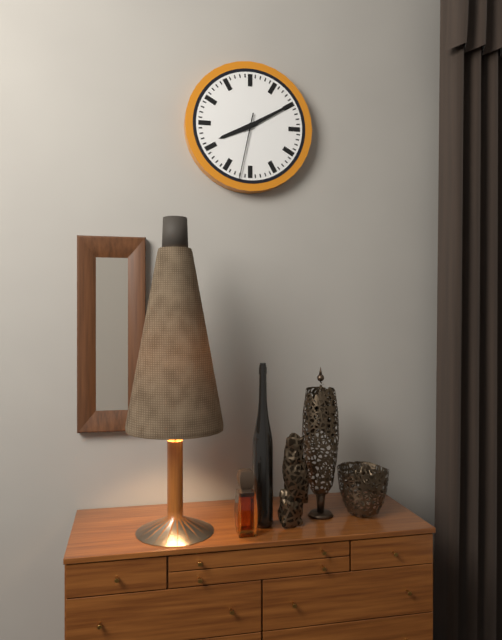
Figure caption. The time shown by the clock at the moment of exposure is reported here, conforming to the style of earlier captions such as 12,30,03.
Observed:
8,10,32
